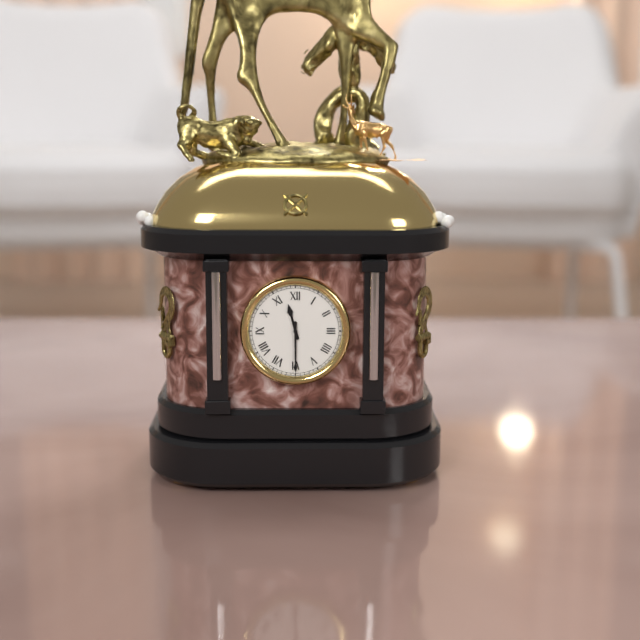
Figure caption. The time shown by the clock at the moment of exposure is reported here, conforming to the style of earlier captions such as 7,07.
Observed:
11,30
